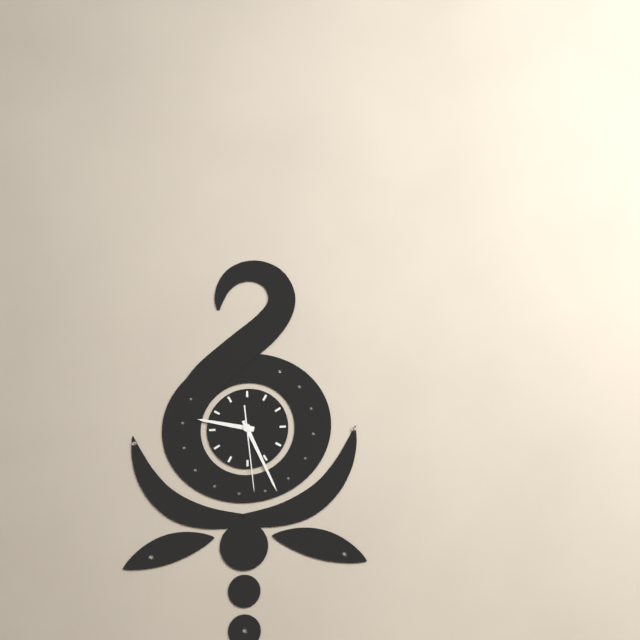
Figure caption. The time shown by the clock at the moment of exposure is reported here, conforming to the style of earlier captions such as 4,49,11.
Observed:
9,26,29
